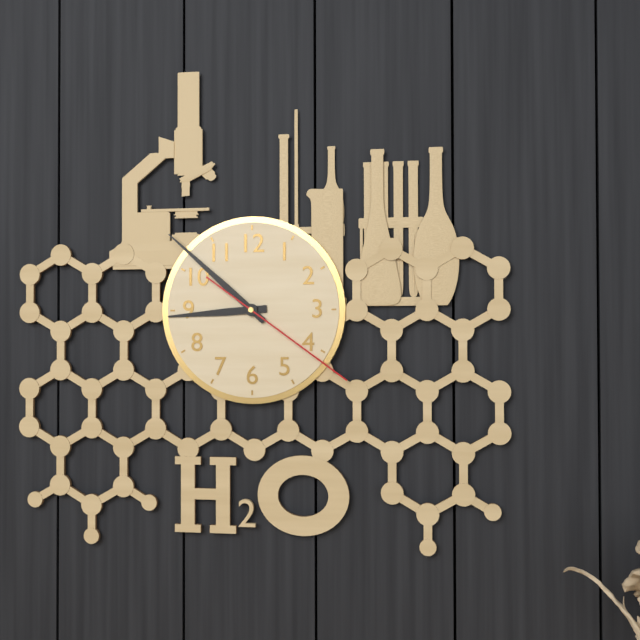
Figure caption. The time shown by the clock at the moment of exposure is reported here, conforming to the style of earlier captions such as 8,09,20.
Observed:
8,52,21
